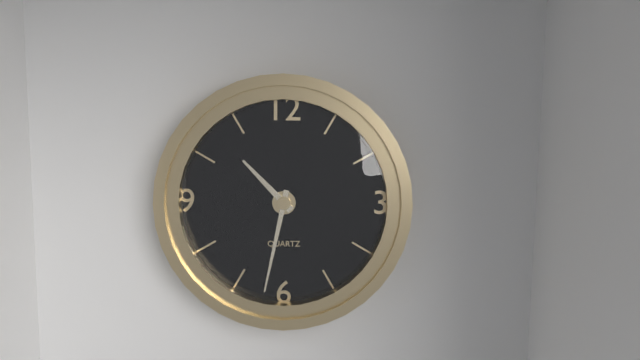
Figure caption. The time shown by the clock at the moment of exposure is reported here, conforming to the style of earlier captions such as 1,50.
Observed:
10,32
